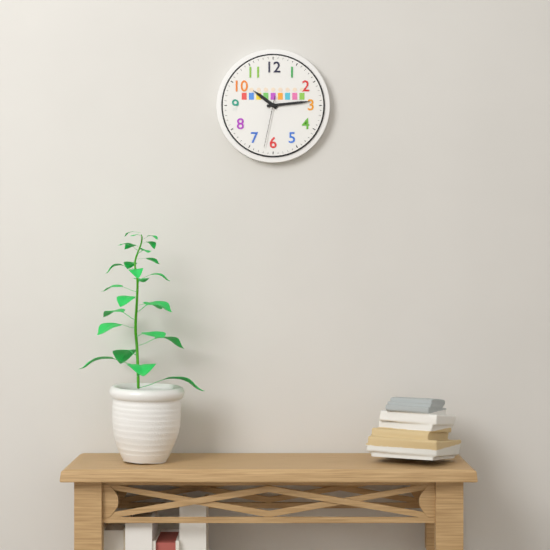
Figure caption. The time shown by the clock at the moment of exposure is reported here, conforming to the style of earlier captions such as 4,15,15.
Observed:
10,14,32
